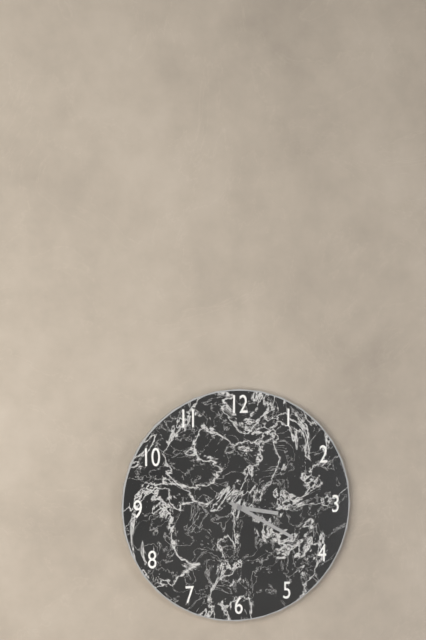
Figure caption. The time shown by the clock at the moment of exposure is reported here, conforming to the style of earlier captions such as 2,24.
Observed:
3,20
